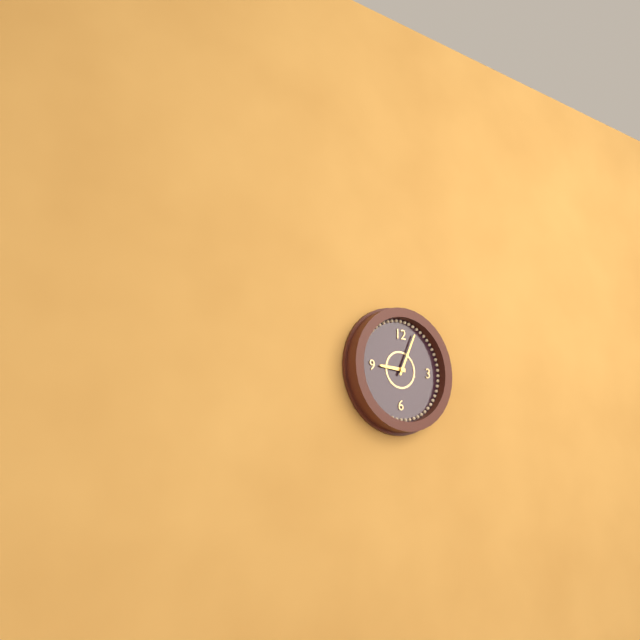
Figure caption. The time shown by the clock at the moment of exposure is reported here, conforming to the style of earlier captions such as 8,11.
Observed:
9,04
